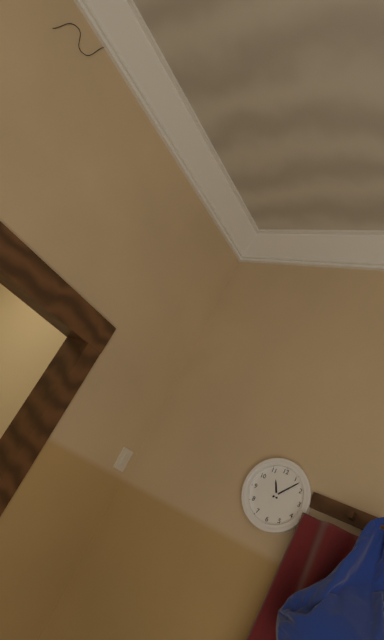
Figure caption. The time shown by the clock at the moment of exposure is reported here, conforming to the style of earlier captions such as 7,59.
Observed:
11,07
